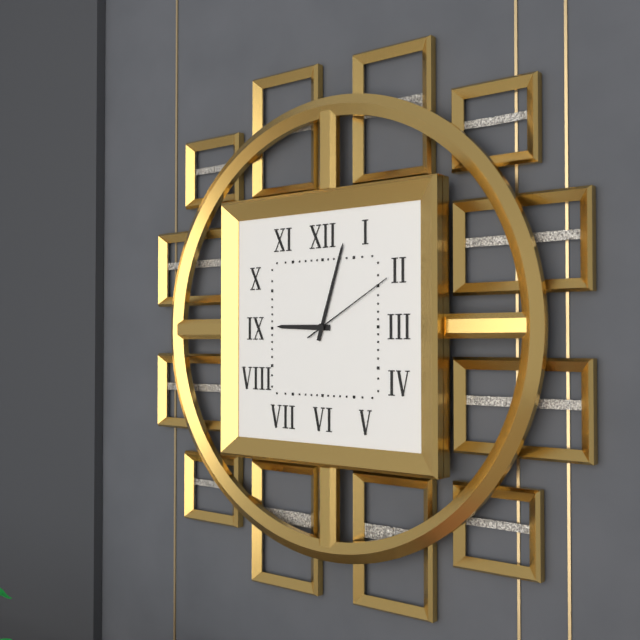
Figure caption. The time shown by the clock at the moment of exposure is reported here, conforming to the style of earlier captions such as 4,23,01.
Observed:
9,03,10
